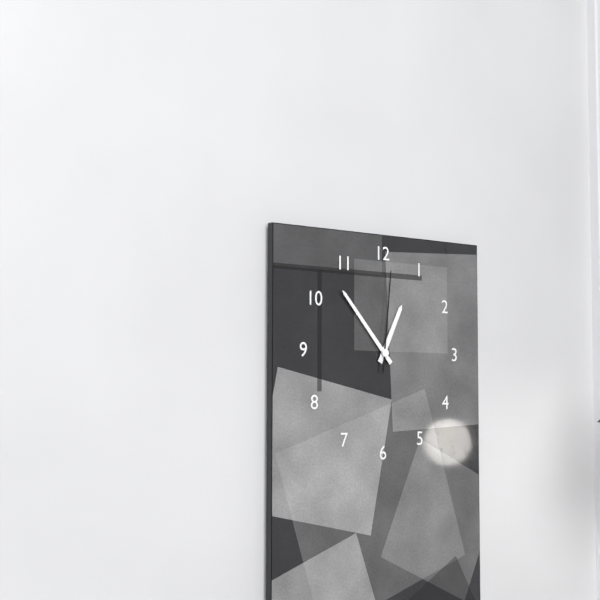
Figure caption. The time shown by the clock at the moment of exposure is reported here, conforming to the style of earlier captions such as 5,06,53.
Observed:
12,53,01
